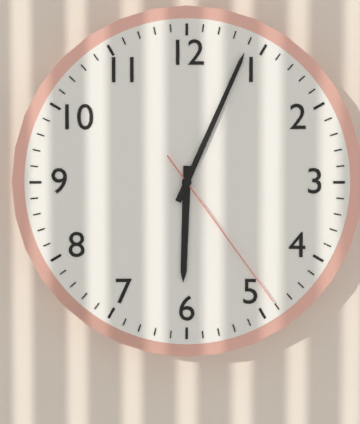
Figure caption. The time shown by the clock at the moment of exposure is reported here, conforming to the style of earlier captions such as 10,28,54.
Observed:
6,04,24
